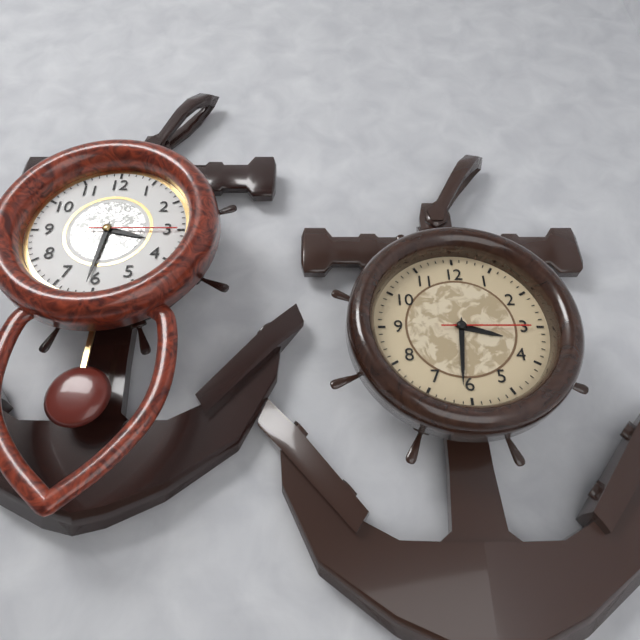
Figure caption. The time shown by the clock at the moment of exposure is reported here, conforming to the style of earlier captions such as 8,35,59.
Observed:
3,31,15
